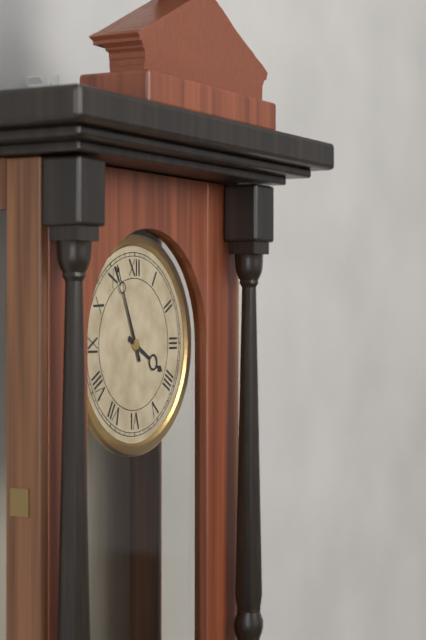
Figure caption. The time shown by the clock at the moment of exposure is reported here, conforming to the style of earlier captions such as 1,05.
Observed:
3,56
